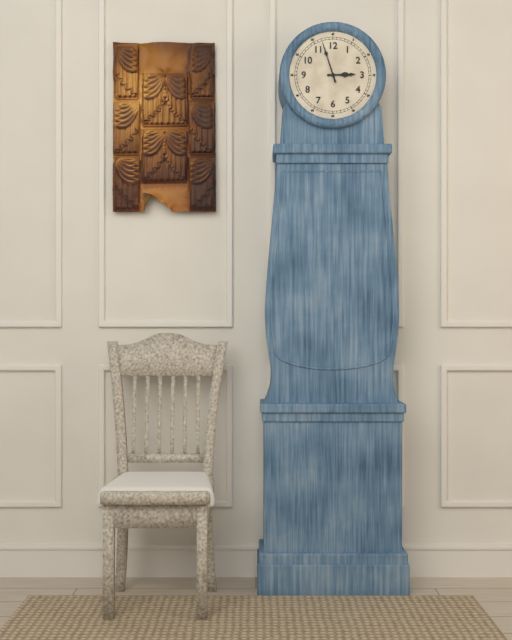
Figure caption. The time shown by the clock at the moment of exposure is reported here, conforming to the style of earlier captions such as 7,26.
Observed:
2,57
